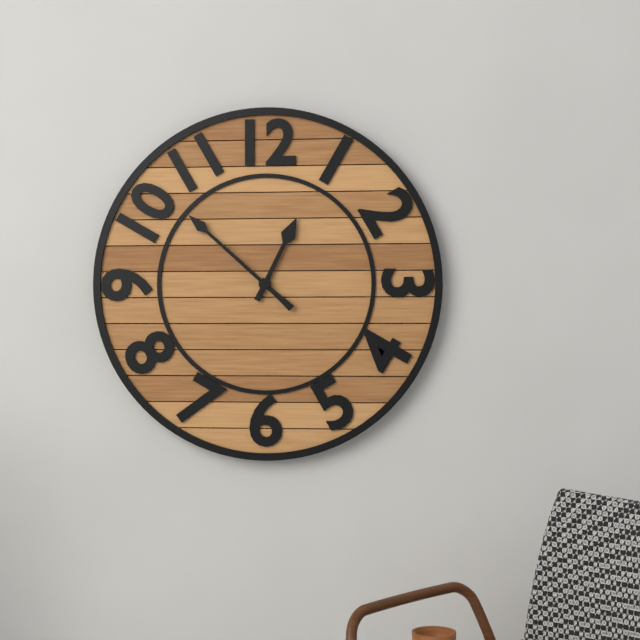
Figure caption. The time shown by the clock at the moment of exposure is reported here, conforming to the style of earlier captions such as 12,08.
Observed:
12,52
